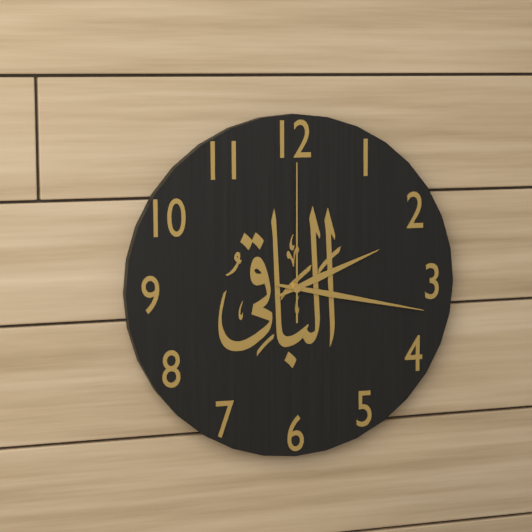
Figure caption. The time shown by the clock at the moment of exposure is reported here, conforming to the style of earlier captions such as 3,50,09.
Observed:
2,17,00
